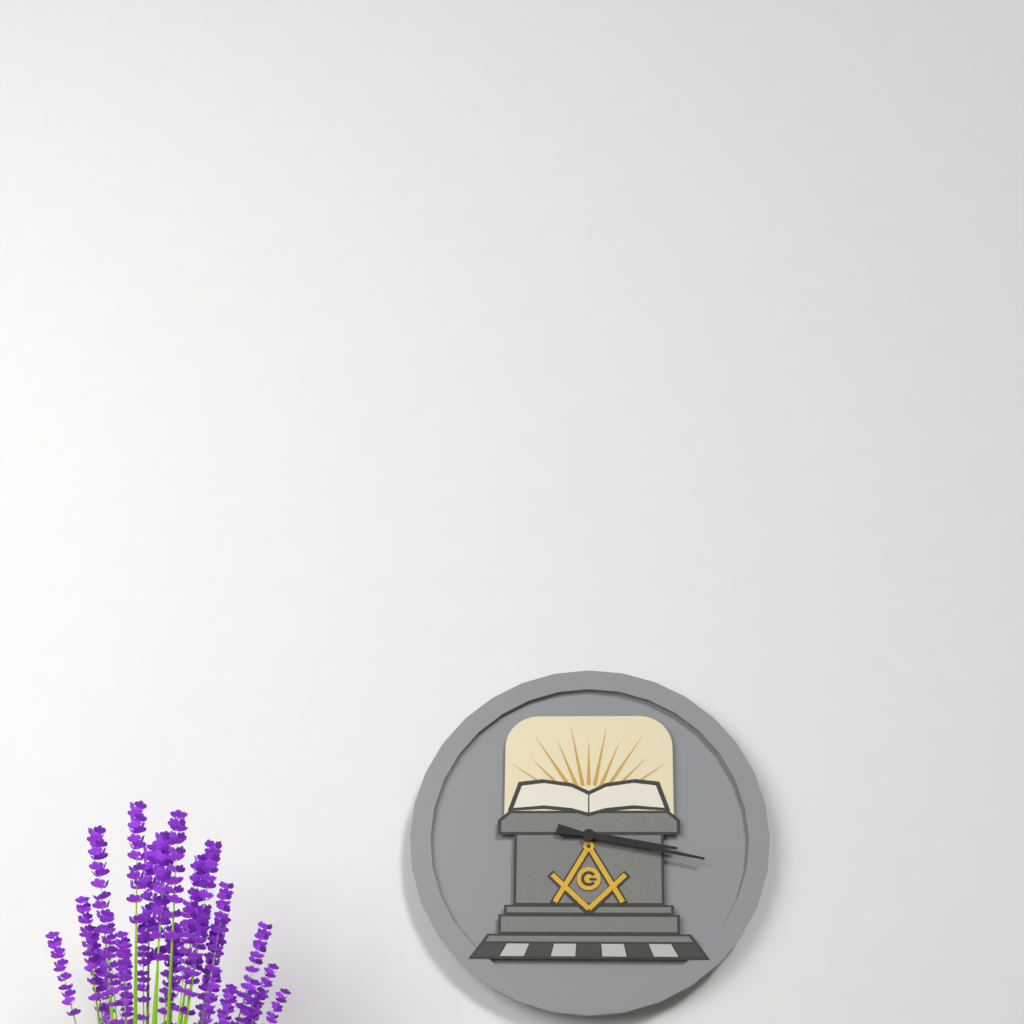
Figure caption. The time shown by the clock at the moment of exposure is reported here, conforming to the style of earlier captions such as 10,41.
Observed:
3,17
